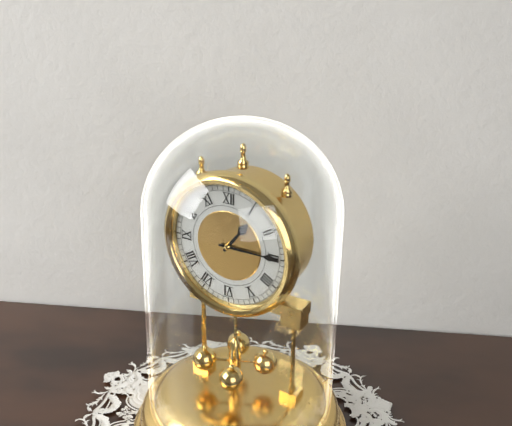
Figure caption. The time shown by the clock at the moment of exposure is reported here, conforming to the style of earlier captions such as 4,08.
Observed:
1,15
